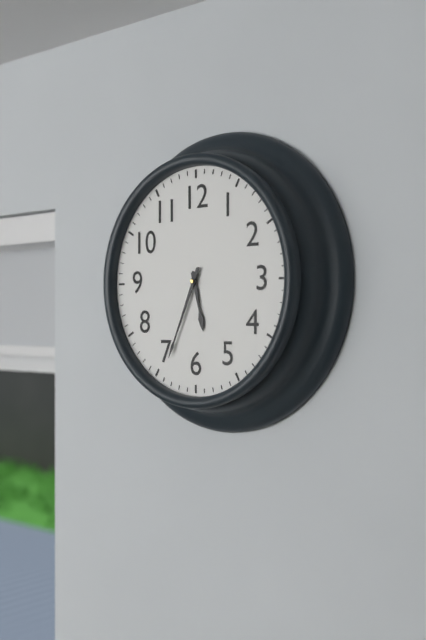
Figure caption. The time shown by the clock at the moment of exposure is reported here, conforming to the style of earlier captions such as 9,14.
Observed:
5,34
